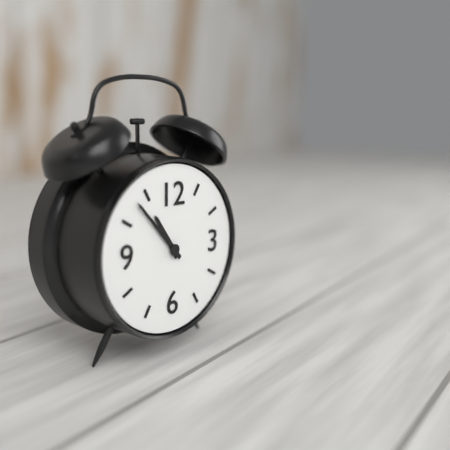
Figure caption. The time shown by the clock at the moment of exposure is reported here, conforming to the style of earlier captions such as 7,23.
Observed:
10,53
